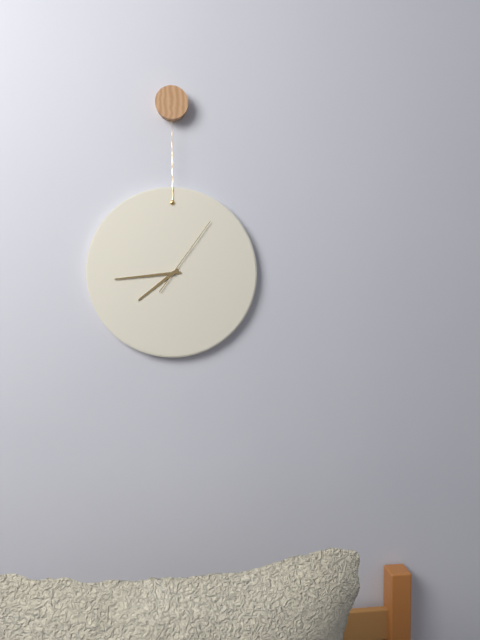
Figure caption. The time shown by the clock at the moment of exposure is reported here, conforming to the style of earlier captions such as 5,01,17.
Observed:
7,44,06
